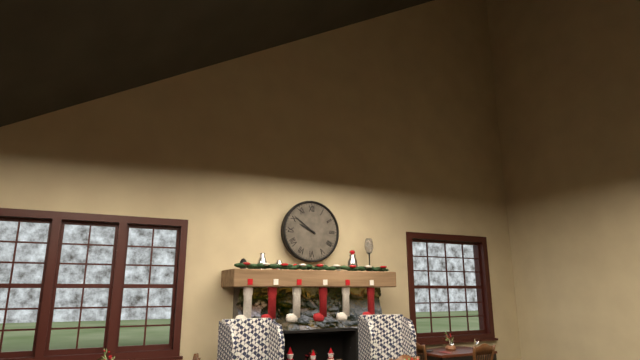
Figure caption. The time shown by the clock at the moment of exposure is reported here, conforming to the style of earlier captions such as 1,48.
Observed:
9,51
